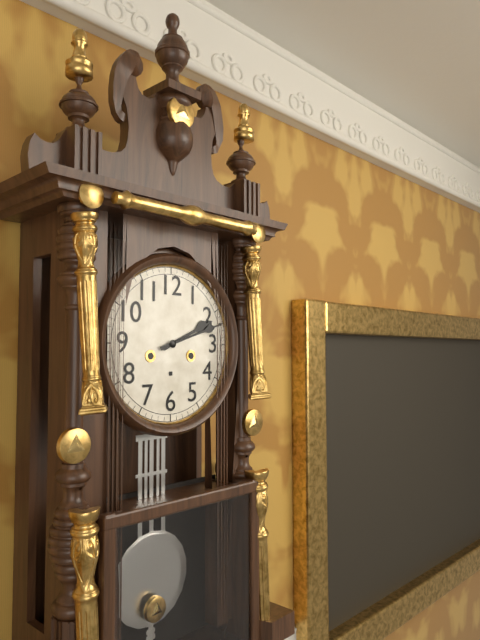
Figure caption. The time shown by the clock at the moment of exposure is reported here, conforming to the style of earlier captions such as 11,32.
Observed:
2,12
